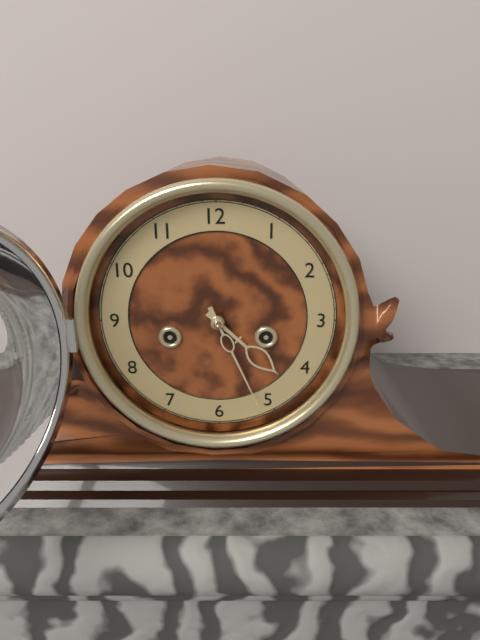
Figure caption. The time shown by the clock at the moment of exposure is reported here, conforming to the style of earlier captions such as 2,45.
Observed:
4,26
